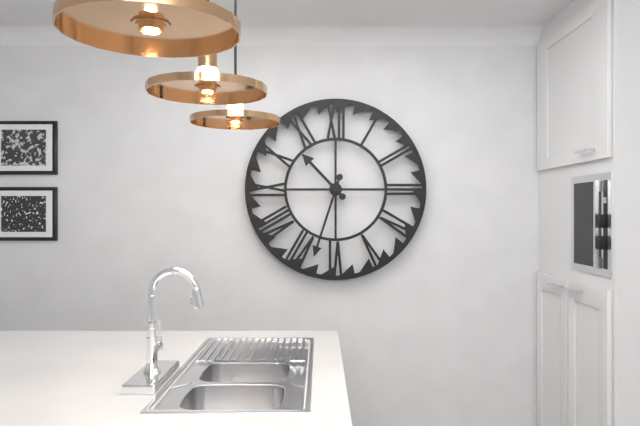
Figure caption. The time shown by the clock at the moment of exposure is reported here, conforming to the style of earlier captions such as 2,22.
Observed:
10,33
